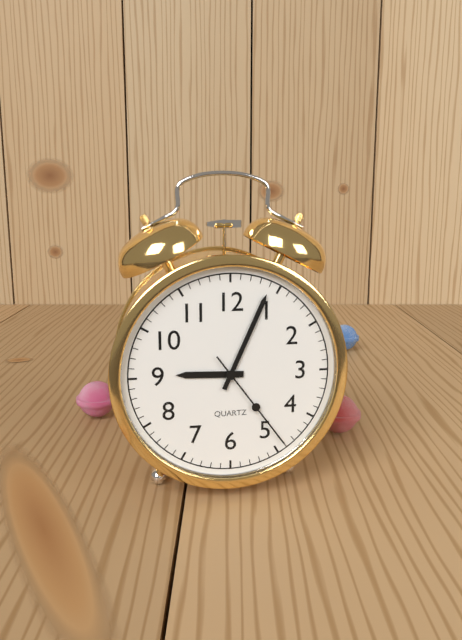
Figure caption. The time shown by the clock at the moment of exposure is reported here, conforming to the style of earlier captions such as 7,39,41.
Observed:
9,04,24
